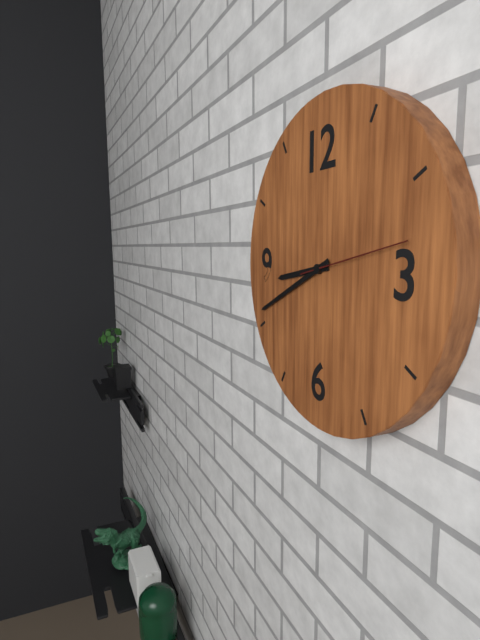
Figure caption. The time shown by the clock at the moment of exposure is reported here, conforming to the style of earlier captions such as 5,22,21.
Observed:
8,41,13
